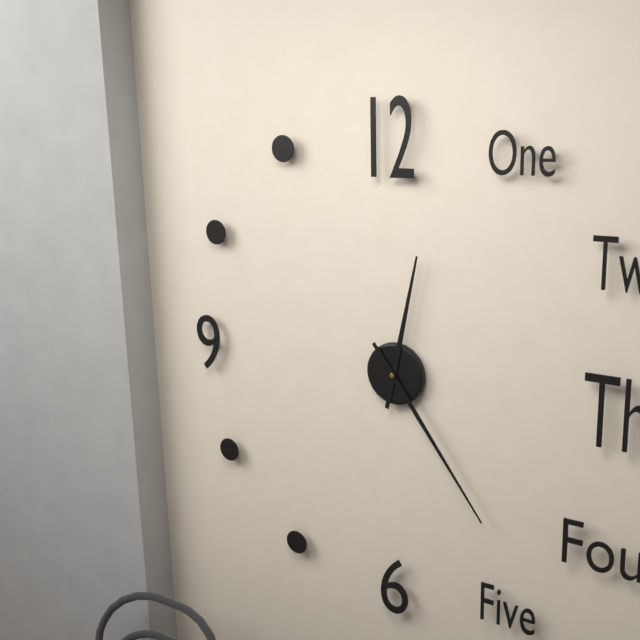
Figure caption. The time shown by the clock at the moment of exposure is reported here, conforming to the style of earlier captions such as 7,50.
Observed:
12,24
